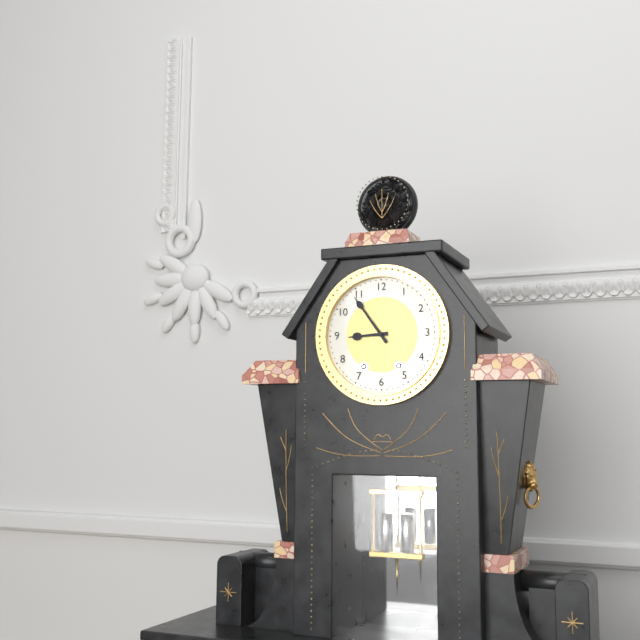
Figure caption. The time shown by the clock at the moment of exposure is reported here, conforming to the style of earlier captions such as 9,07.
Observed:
8,54
